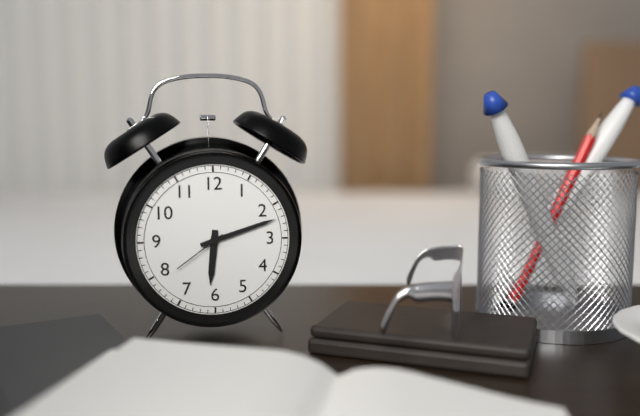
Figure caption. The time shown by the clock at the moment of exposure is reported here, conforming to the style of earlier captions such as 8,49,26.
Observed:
6,12,39
